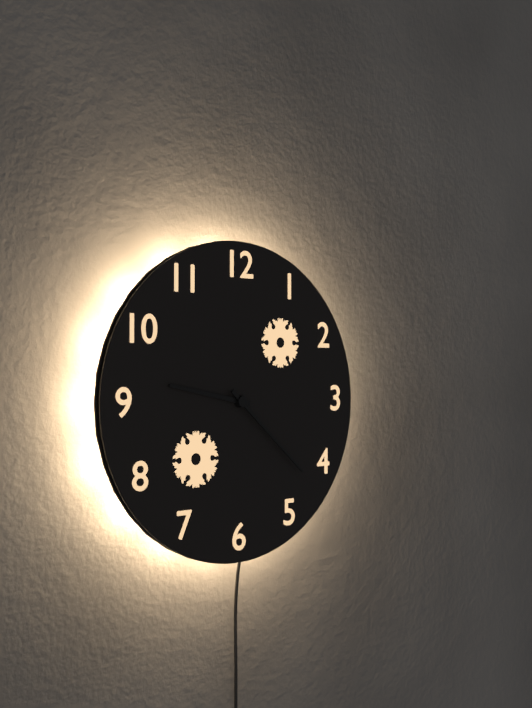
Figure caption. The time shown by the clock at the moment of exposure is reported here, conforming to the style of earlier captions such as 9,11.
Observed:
9,22
